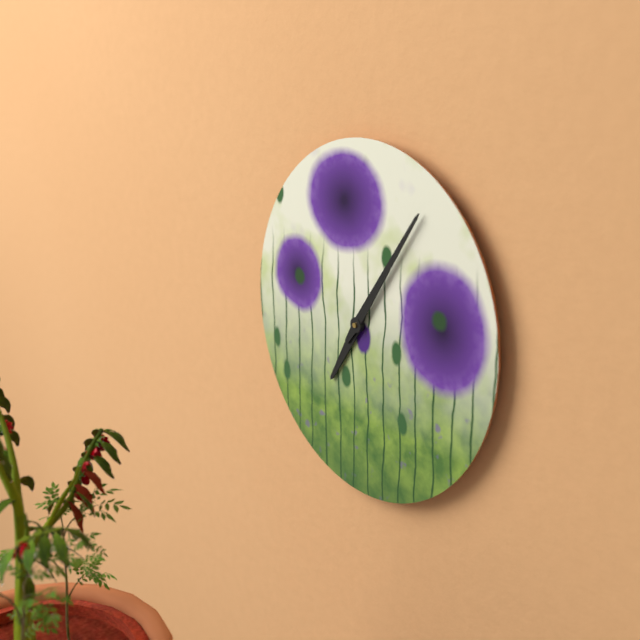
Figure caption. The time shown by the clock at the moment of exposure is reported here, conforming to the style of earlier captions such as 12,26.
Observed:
7,06
